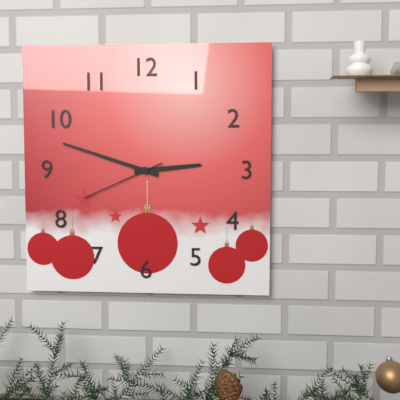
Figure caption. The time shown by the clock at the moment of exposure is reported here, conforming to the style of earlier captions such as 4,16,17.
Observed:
2,48,41
